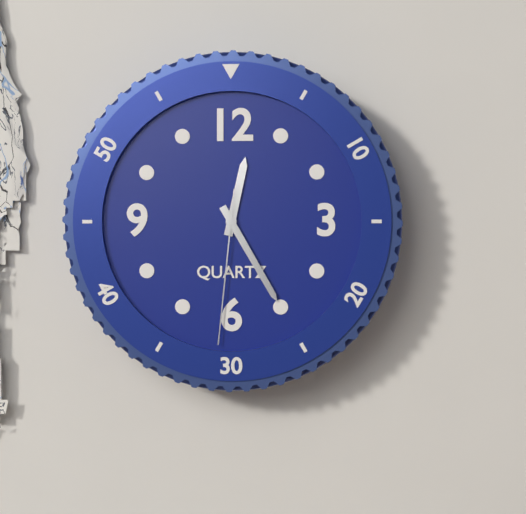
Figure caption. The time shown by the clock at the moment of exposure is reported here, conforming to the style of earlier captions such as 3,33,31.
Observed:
12,25,31
